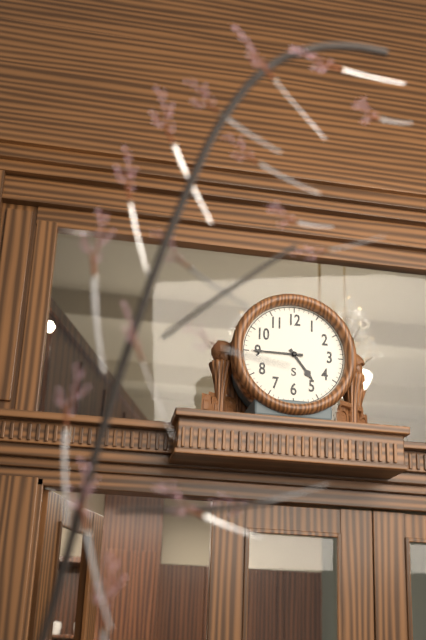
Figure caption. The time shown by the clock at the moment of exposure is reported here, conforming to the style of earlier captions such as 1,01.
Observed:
4,45
